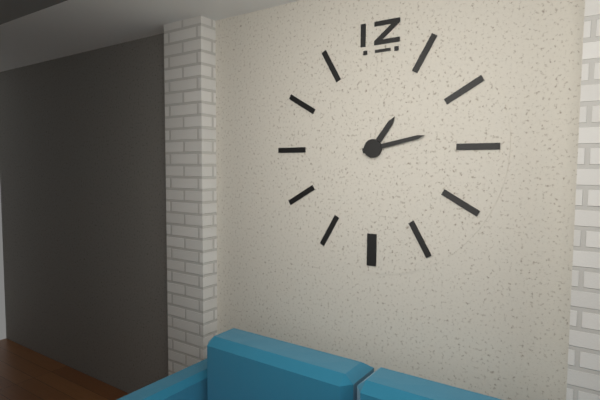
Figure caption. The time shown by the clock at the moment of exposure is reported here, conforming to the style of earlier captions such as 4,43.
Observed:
1,13
